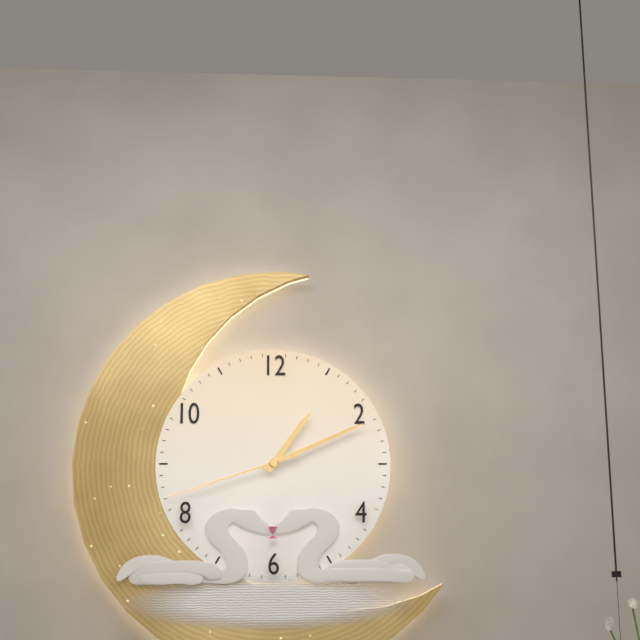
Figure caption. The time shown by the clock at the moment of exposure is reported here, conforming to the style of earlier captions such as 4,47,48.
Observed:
1,11,42
